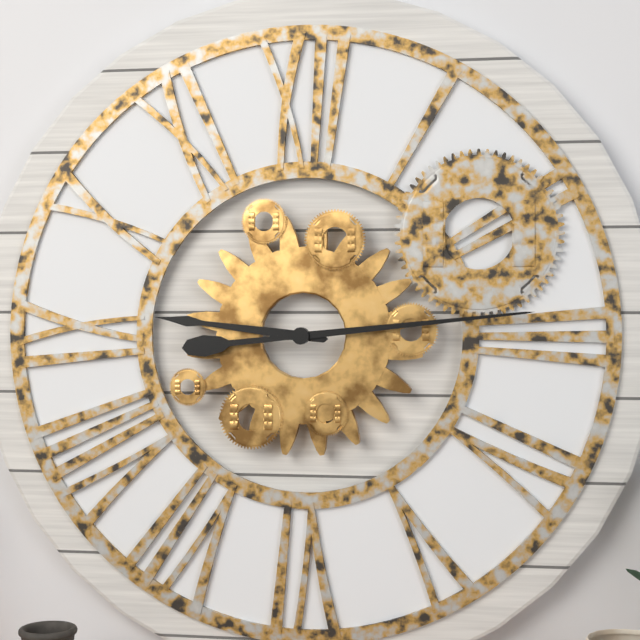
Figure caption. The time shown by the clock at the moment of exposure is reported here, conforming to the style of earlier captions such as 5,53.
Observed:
9,14
